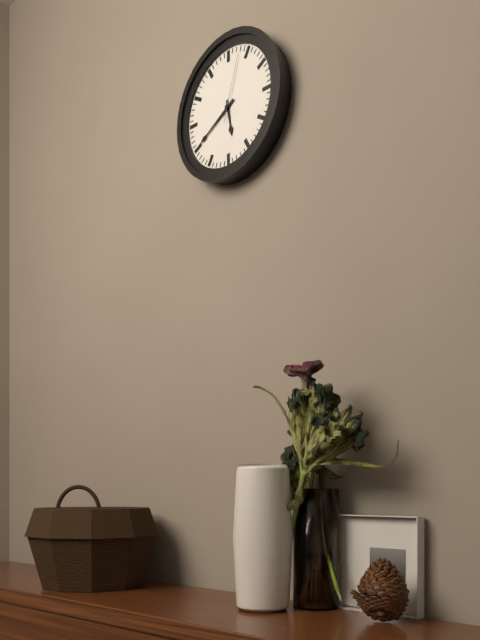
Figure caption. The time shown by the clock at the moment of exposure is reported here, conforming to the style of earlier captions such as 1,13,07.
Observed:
5,40,03
